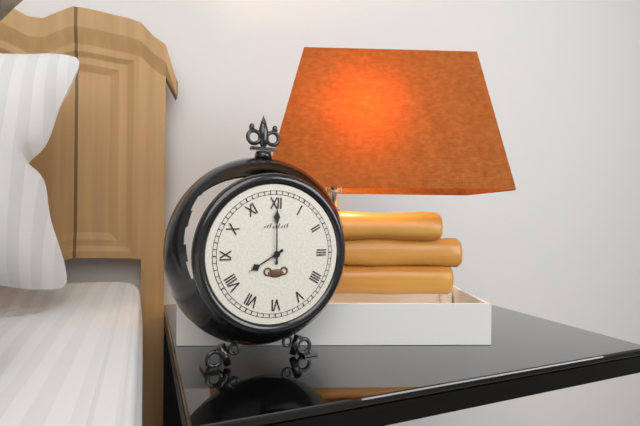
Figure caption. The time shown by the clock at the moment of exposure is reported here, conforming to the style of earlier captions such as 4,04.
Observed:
8,00
